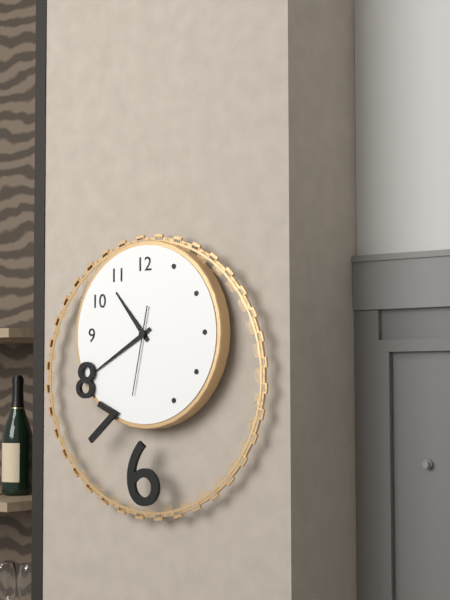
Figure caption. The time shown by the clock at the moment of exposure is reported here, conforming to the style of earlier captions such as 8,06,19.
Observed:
10,40,32
